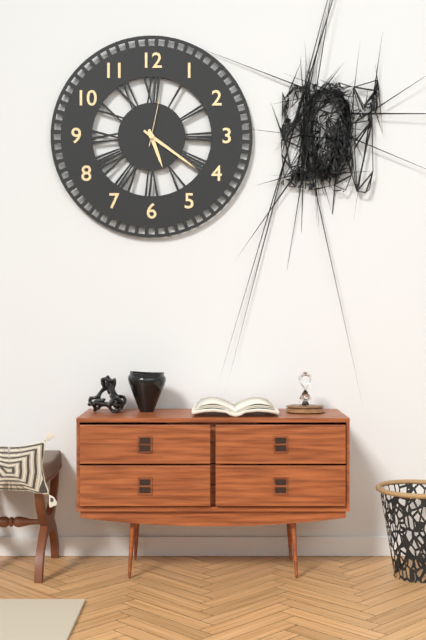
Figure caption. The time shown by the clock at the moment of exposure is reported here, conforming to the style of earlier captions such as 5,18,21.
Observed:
5,21,02
